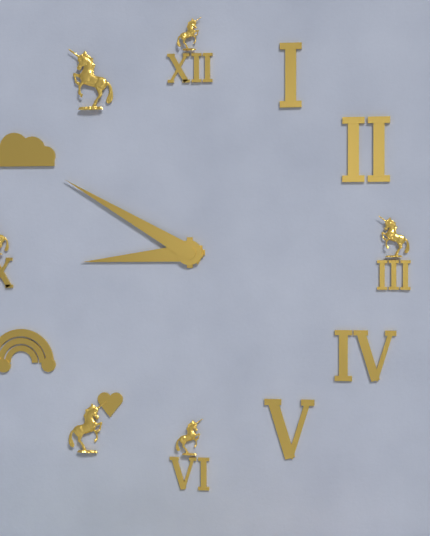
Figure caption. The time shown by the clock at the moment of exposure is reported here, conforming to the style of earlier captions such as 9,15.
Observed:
8,50
